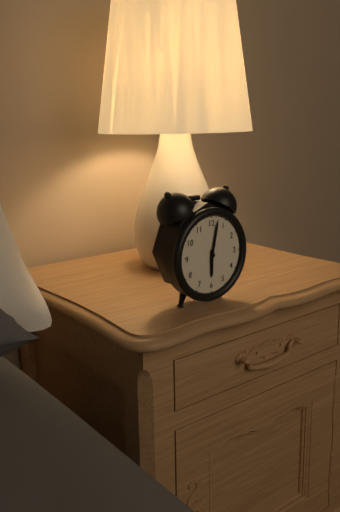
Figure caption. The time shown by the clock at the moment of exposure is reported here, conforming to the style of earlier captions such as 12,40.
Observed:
6,02
